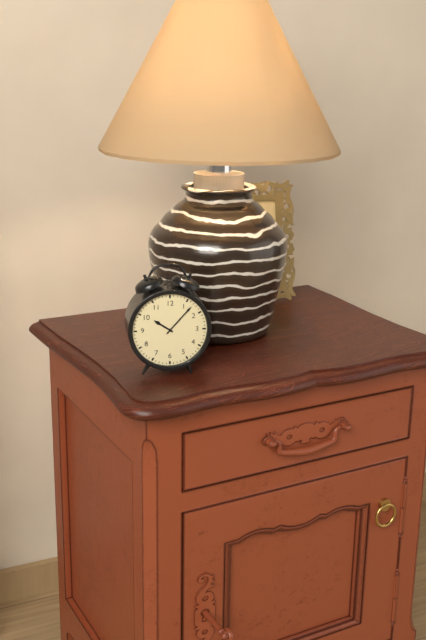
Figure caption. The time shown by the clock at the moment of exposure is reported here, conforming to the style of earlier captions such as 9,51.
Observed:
10,07
